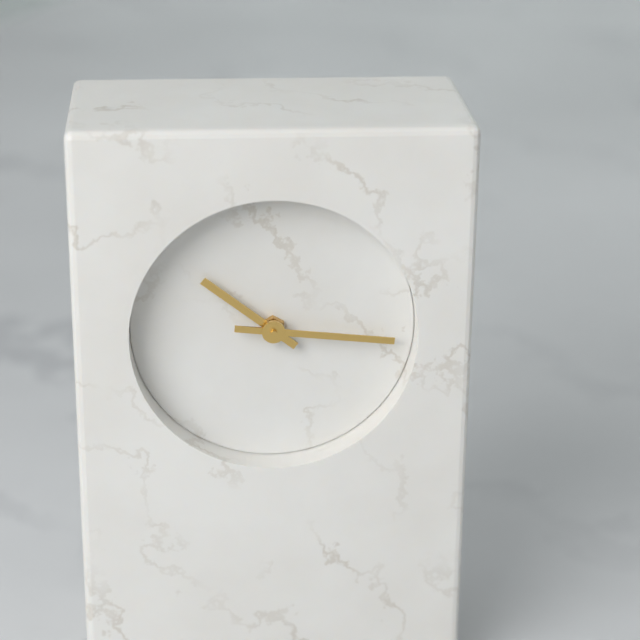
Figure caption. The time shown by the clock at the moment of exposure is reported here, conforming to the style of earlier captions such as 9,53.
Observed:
10,16
